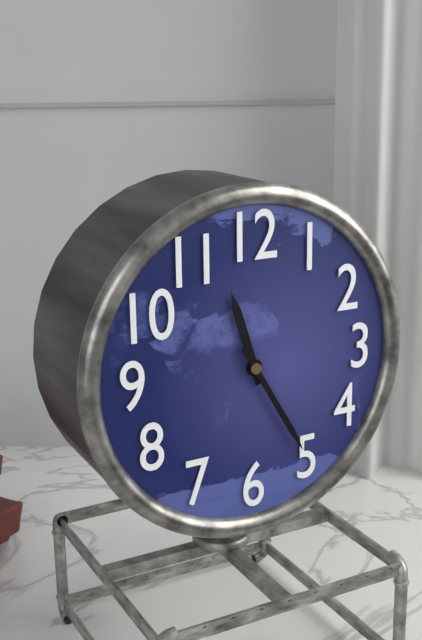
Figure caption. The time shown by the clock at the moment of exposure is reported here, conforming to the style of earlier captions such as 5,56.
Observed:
11,25
